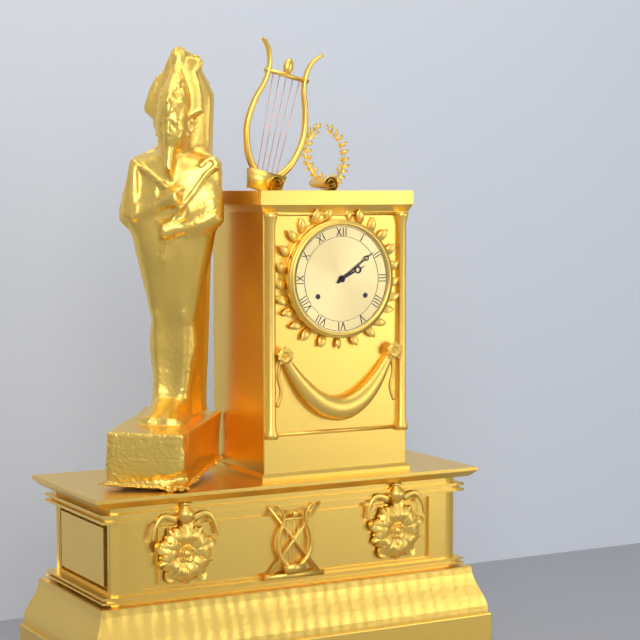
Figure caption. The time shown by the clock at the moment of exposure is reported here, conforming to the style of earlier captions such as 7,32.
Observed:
2,09
